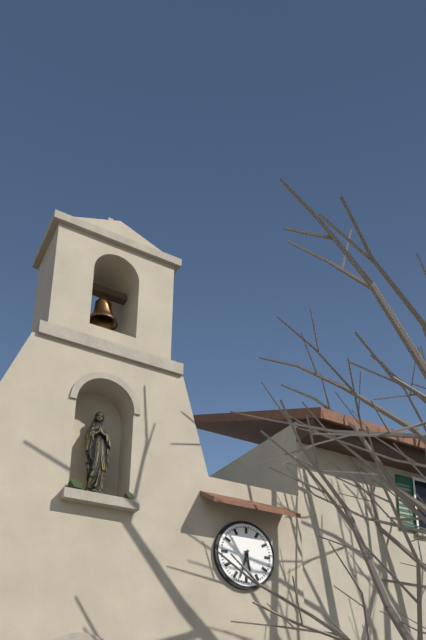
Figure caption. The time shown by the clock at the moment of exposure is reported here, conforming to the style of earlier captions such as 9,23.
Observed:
5,33
